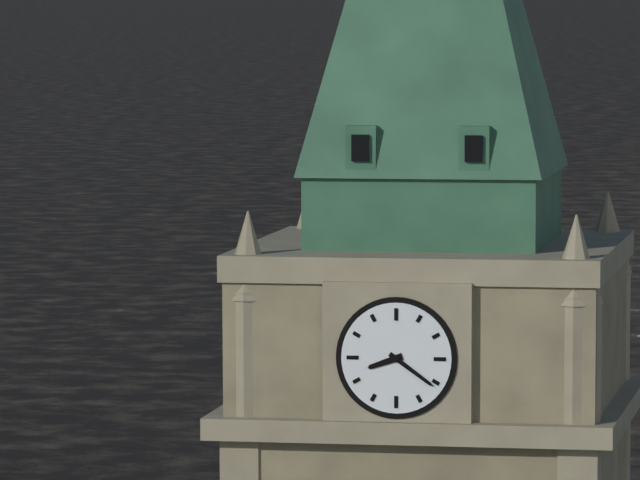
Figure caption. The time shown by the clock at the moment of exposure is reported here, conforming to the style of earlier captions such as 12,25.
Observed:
8,21
